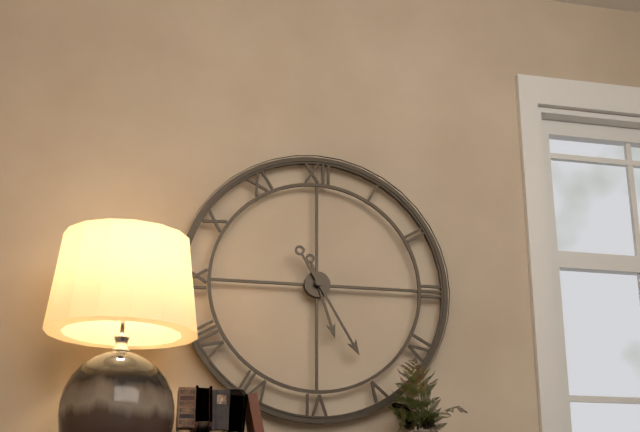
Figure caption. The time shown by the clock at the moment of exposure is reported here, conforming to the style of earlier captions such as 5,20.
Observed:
5,25
